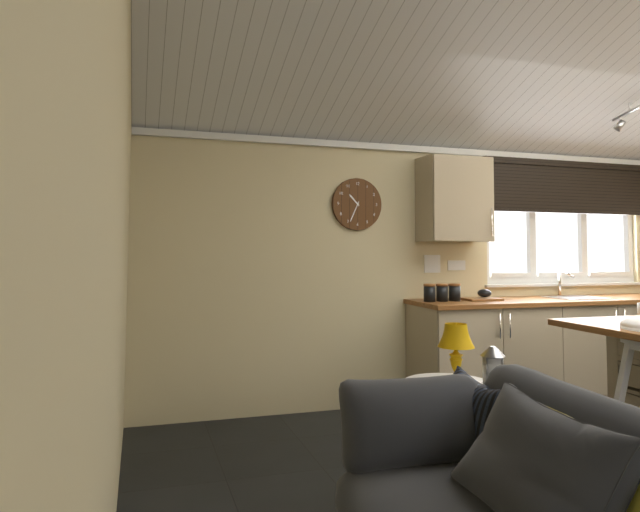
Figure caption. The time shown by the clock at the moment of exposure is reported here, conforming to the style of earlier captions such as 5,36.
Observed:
10,34
